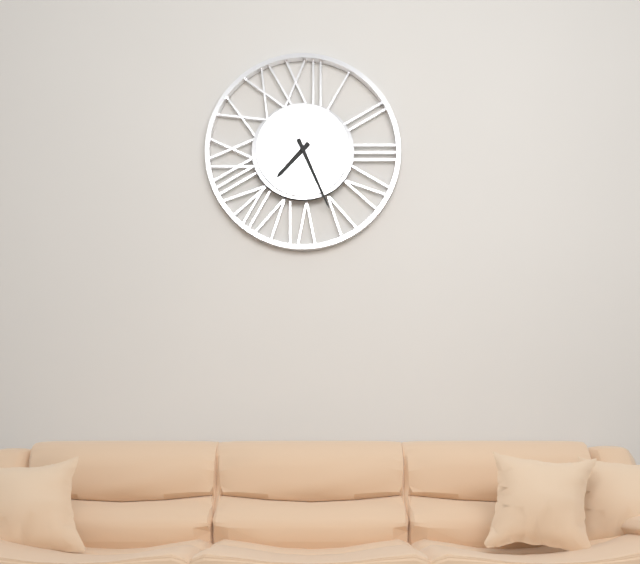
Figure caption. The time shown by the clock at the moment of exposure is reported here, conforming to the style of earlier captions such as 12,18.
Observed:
7,26
